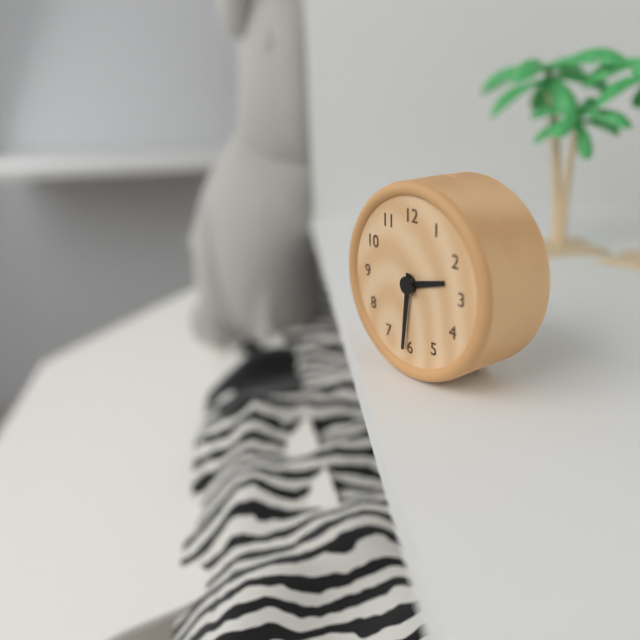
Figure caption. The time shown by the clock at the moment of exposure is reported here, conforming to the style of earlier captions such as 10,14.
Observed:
2,31
